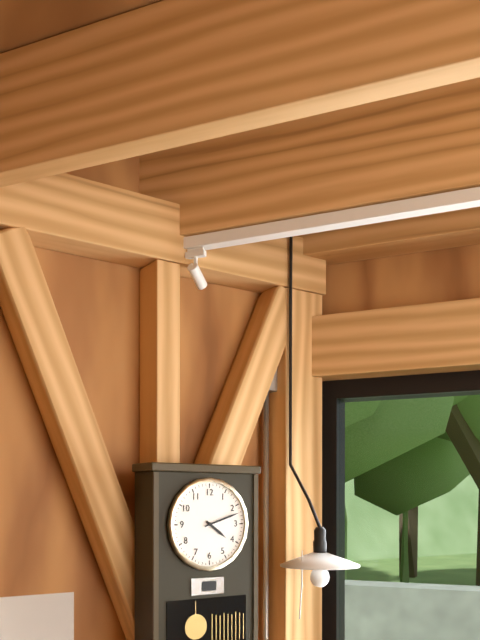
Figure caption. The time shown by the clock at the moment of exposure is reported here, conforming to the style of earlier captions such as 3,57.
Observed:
4,12
